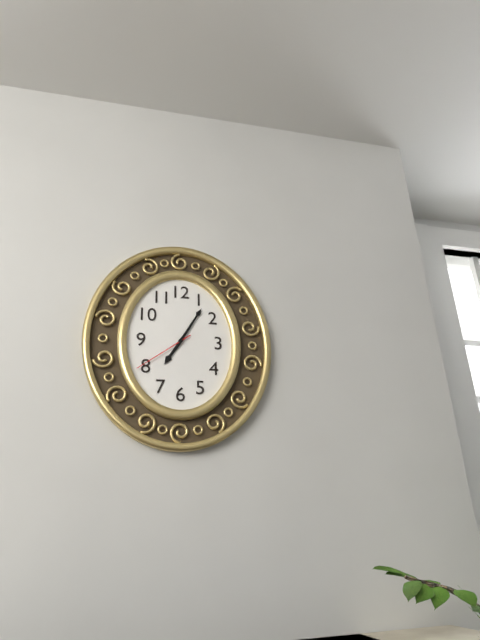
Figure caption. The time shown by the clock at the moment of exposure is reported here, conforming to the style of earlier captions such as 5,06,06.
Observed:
7,05,39
